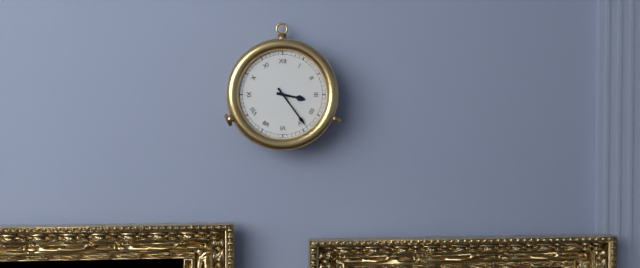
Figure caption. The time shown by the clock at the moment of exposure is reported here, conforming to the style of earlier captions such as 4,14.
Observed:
3,24
